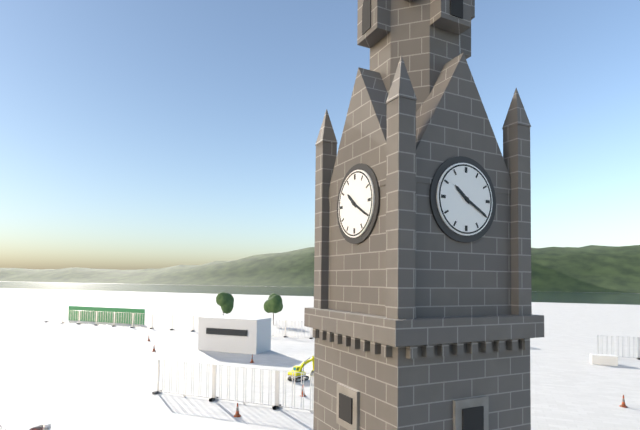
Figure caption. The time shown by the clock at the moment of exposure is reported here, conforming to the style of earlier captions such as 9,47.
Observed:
10,20
